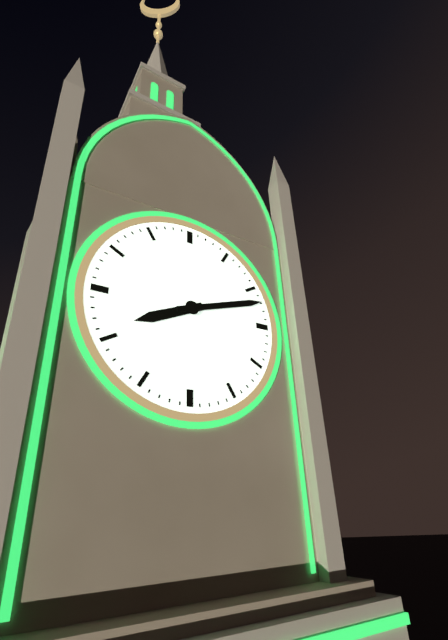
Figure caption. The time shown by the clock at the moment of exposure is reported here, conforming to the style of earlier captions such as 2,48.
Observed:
8,12
